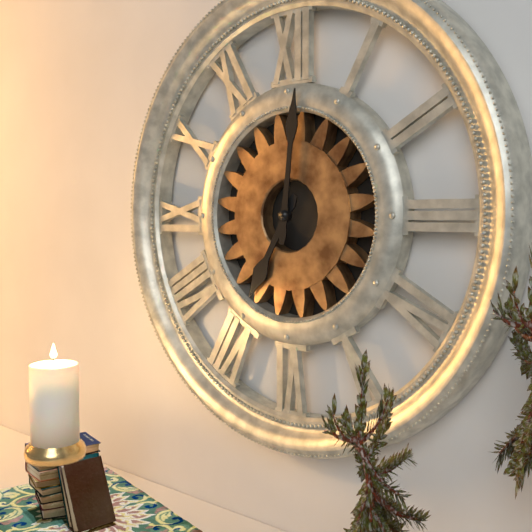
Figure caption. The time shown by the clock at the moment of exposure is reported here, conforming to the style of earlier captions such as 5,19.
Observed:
7,01
